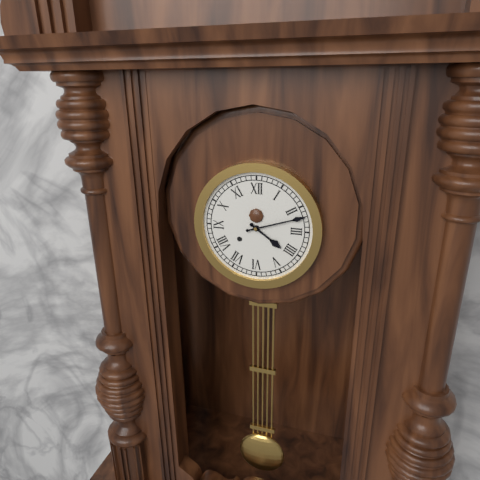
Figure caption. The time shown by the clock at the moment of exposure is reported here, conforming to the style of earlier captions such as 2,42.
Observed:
4,12
